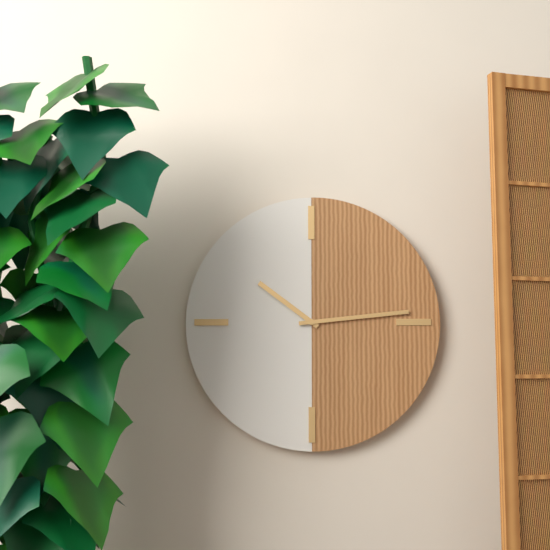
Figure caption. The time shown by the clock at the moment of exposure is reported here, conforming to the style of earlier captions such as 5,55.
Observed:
10,14
